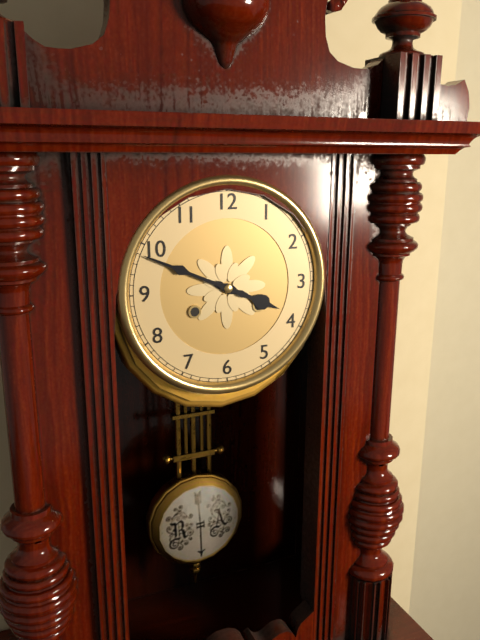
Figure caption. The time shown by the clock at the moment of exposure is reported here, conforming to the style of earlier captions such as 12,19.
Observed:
3,49
